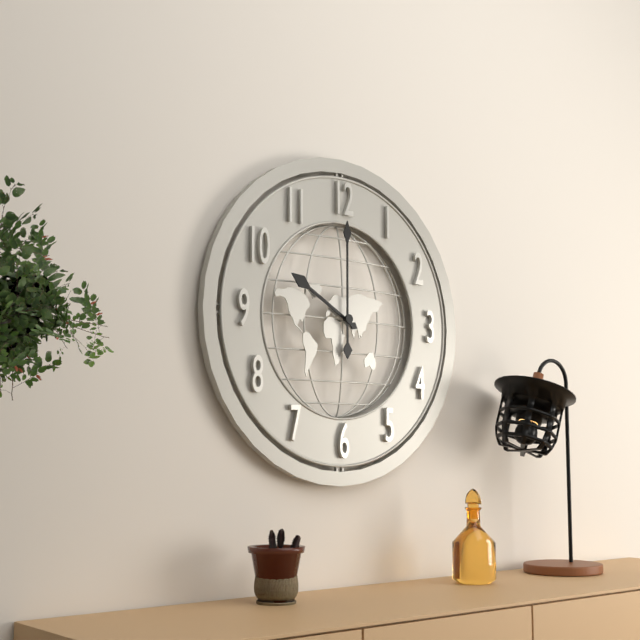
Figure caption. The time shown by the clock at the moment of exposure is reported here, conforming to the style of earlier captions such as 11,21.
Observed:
10,00
